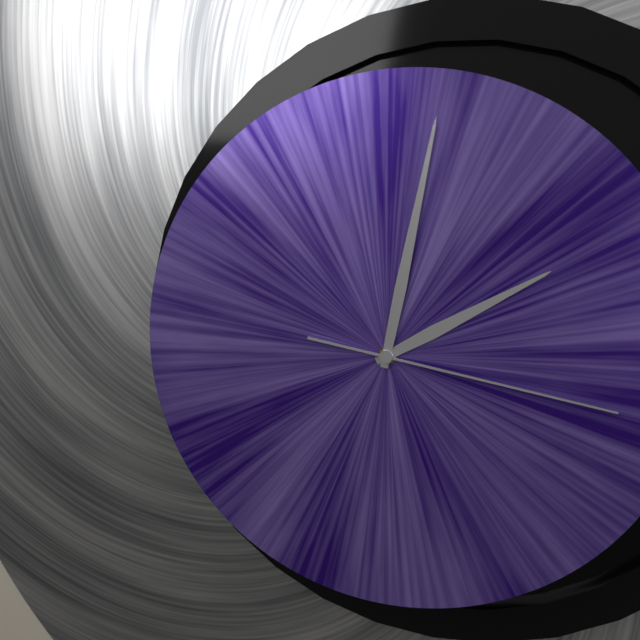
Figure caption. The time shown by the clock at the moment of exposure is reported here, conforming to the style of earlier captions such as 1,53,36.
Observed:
2,02,17
